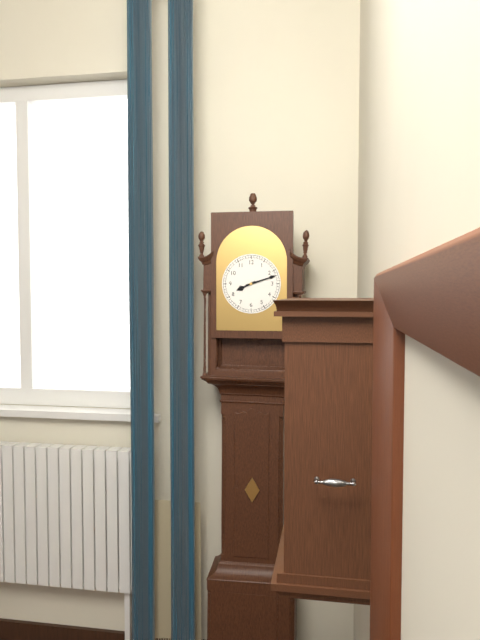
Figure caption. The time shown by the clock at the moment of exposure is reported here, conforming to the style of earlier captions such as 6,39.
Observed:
8,12
